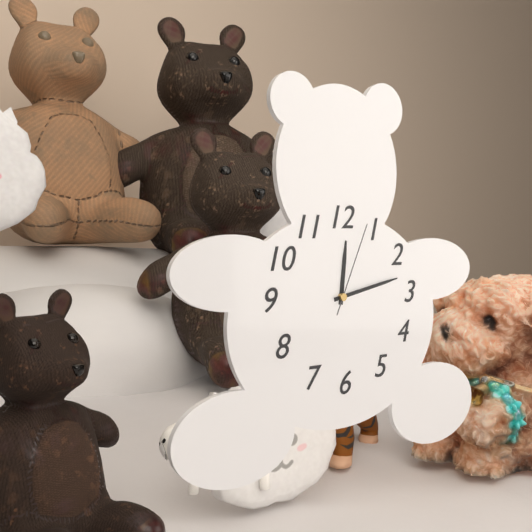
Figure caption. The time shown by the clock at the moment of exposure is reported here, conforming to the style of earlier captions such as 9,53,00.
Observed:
12,13,04
